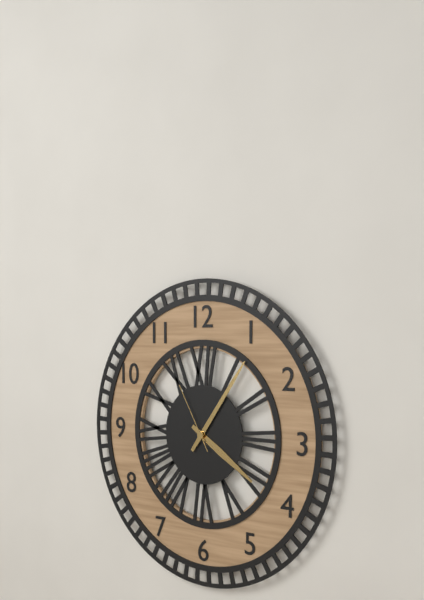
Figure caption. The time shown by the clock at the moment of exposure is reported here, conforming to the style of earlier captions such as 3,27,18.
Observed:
4,06,55
